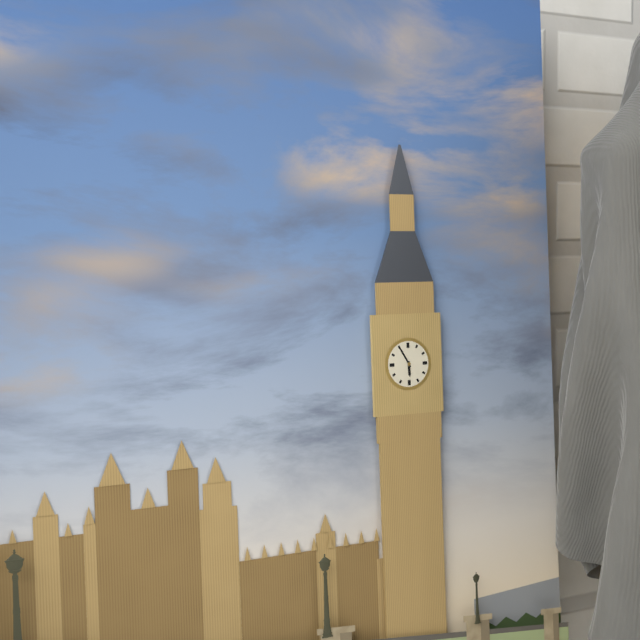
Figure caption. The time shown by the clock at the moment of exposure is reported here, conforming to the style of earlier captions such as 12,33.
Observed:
5,55
